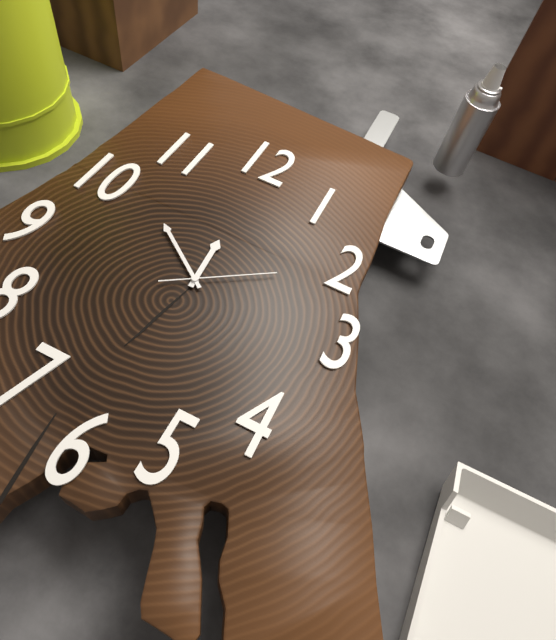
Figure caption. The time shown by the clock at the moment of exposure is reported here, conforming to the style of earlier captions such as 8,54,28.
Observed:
11,51,09
